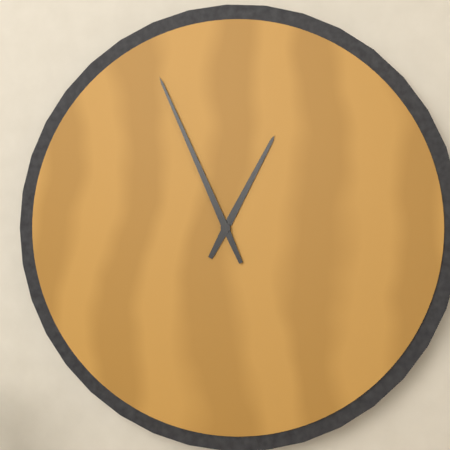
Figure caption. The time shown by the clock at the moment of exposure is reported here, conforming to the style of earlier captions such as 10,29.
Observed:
12,56
